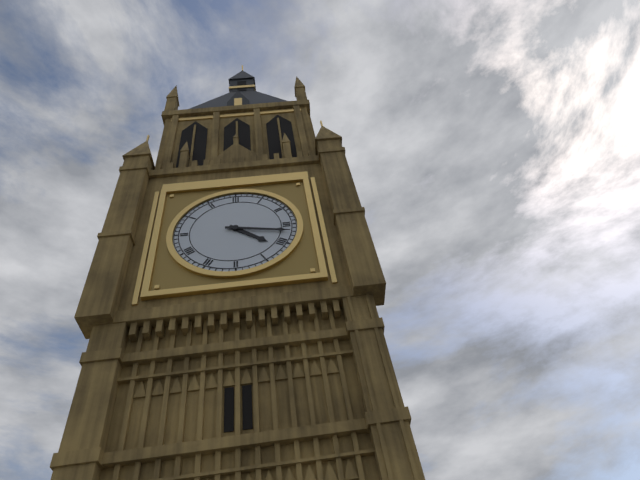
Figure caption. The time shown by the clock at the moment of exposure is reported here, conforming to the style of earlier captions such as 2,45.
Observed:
4,17
